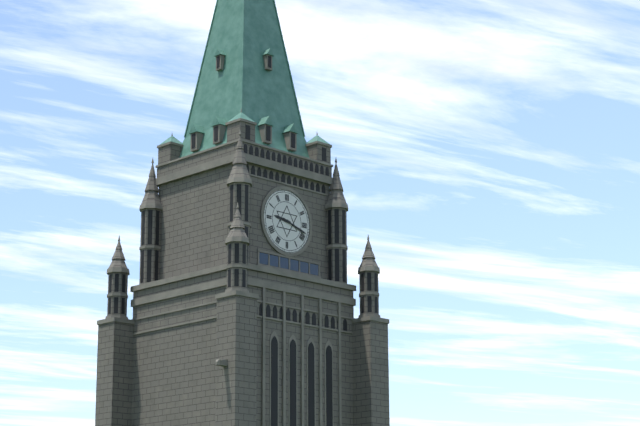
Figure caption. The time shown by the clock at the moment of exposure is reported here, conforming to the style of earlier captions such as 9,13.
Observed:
9,18
